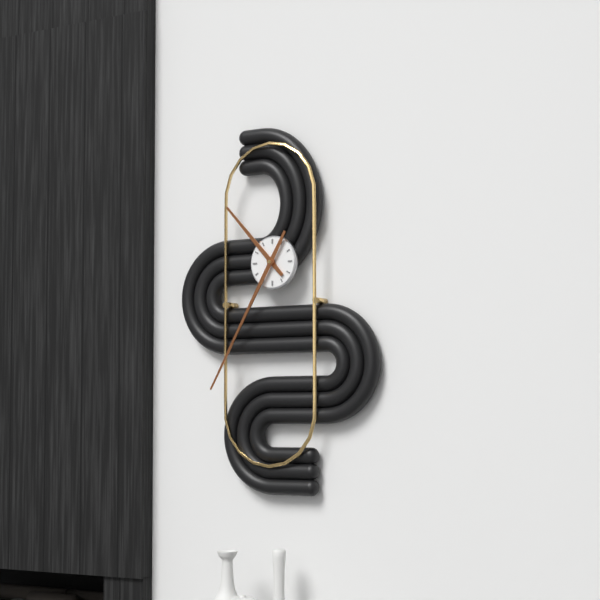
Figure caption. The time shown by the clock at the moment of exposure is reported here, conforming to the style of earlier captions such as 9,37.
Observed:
10,35
